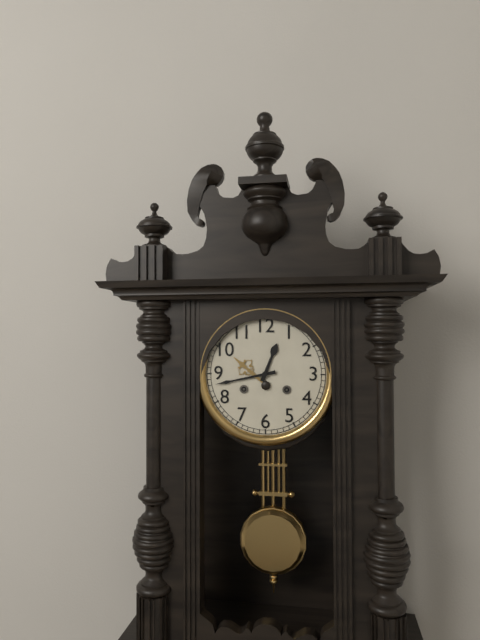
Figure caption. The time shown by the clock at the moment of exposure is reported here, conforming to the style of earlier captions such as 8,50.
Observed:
12,43
